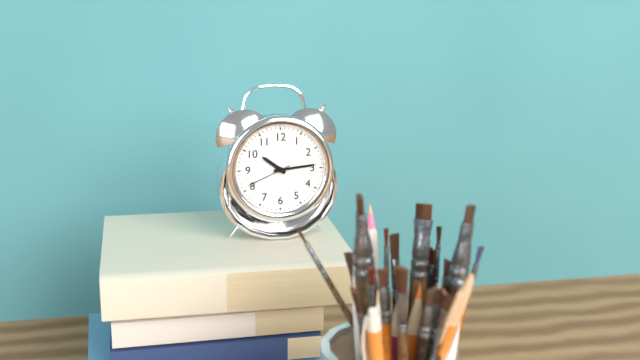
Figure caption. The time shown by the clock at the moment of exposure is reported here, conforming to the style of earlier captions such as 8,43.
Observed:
10,14
